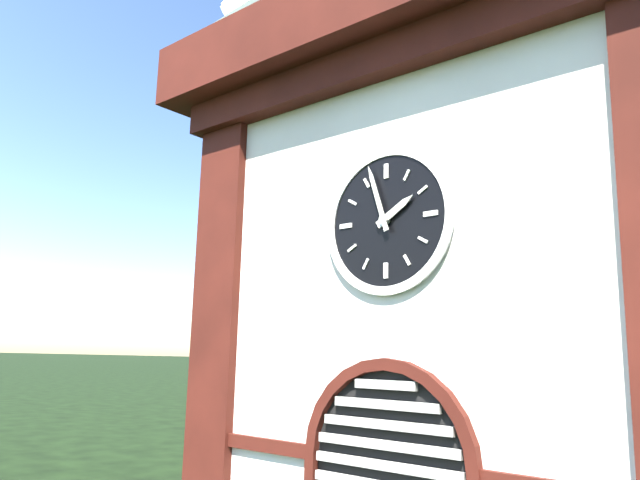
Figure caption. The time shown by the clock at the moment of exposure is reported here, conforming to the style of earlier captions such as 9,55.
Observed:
1,57
